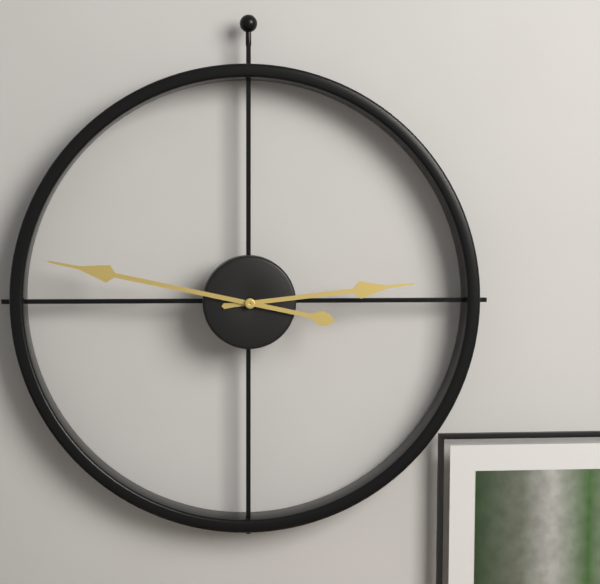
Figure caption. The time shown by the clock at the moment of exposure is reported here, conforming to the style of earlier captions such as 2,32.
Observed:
2,47
